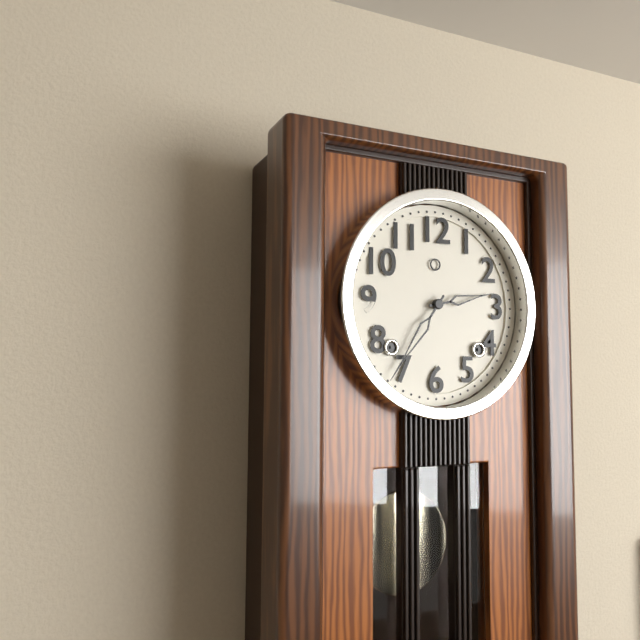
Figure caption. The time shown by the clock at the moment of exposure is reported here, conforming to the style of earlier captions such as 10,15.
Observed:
2,36
